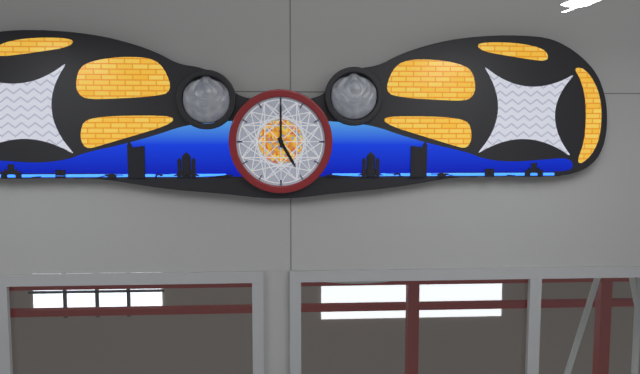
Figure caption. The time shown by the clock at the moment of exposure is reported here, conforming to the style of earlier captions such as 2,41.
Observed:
5,00
